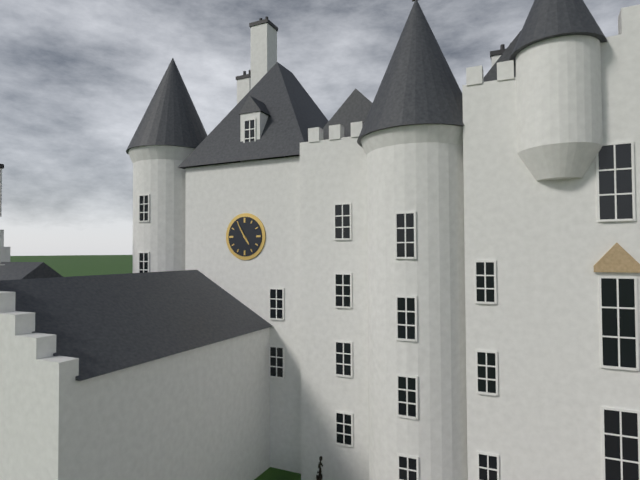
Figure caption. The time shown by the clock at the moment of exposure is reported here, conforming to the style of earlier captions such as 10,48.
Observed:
4,55
